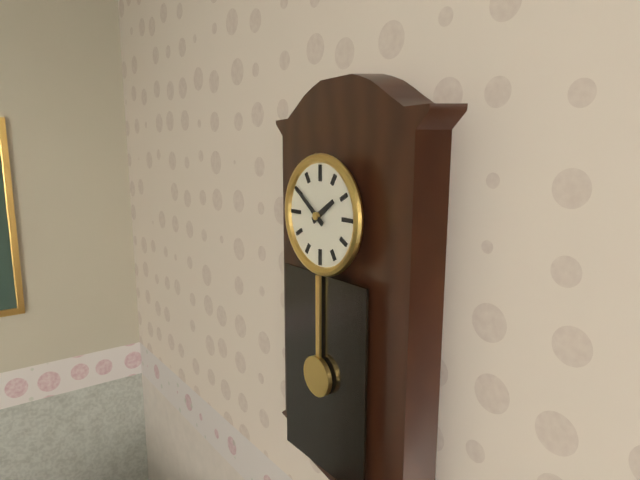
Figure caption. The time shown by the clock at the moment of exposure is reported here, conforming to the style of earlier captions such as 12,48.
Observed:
1,51
